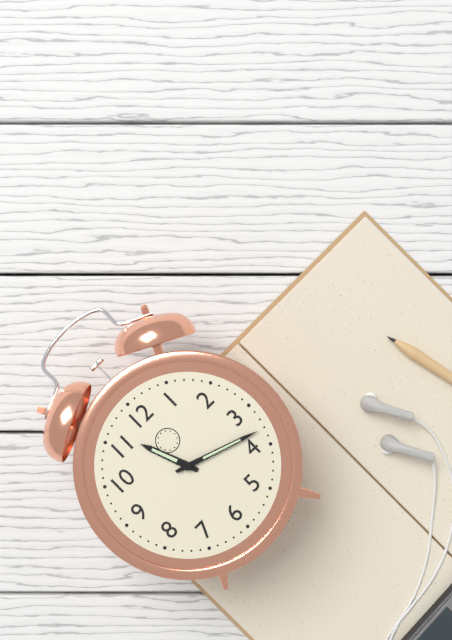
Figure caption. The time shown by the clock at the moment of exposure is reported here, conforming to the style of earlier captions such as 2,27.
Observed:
11,18
